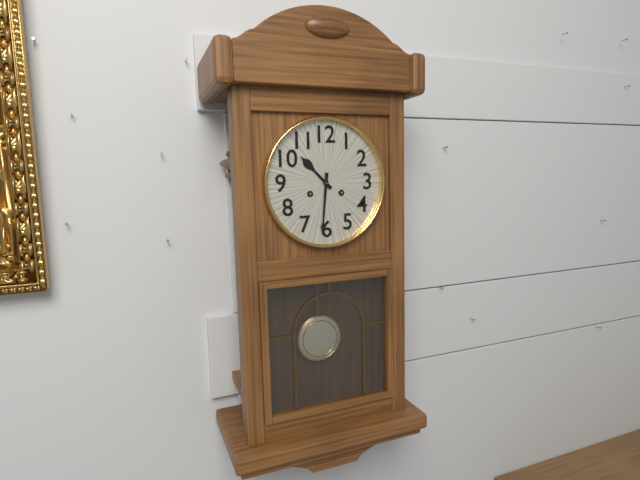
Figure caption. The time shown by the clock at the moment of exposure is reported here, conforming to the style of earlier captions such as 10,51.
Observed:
10,31
